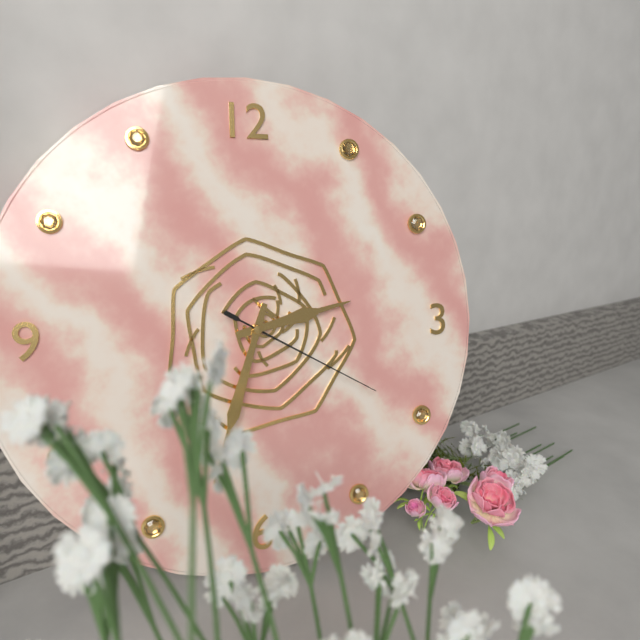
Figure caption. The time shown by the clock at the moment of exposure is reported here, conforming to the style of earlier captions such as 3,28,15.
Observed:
2,33,20
